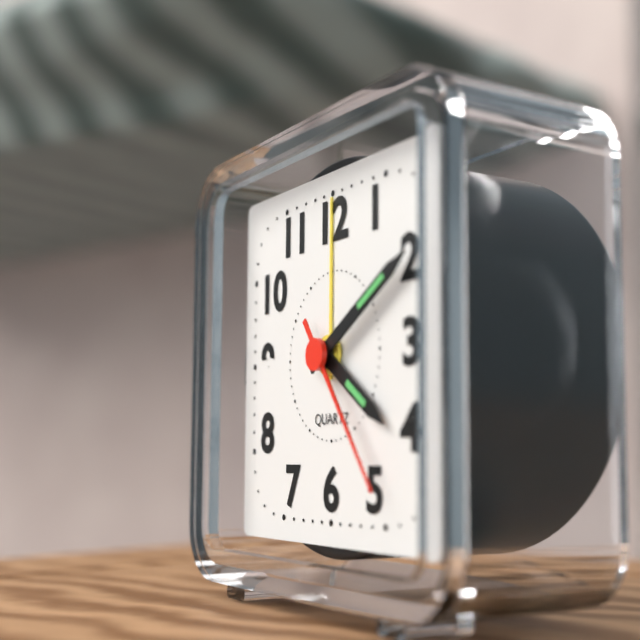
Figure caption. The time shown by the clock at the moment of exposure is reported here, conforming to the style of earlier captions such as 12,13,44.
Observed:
4,10,24
